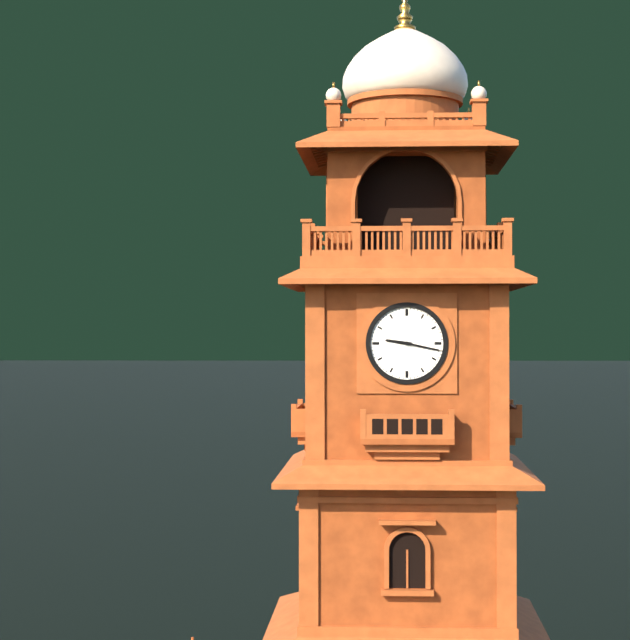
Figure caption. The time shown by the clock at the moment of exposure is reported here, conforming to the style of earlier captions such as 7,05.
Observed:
9,17
